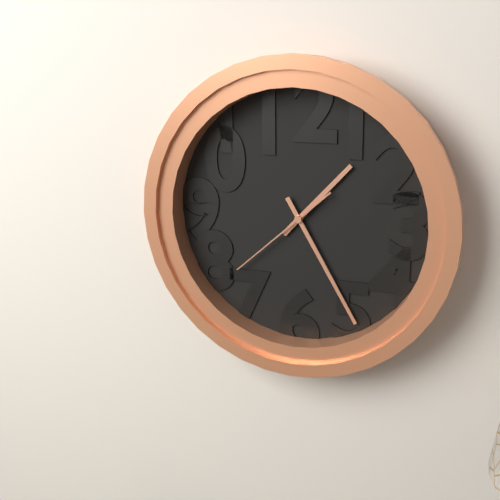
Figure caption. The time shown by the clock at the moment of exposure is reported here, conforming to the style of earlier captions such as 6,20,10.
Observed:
1,25,38
